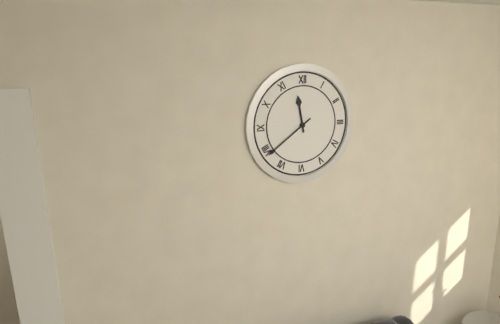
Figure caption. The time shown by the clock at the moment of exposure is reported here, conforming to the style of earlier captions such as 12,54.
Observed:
11,39
